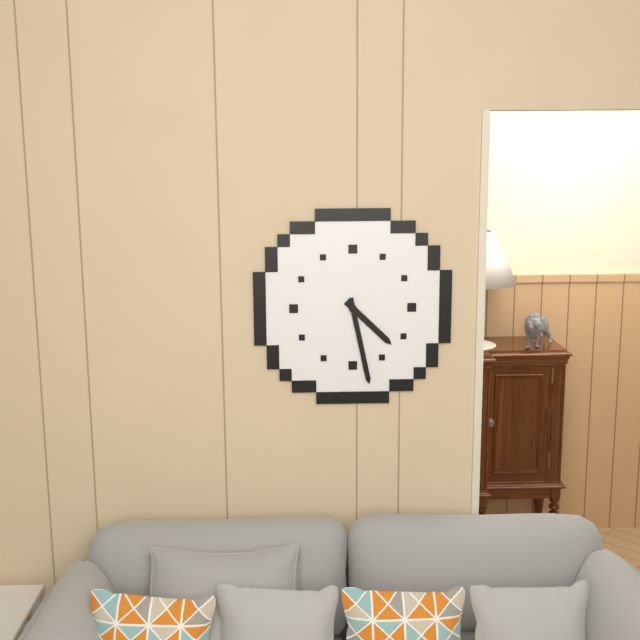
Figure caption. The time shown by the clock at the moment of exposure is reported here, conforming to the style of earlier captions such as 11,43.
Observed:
4,28
